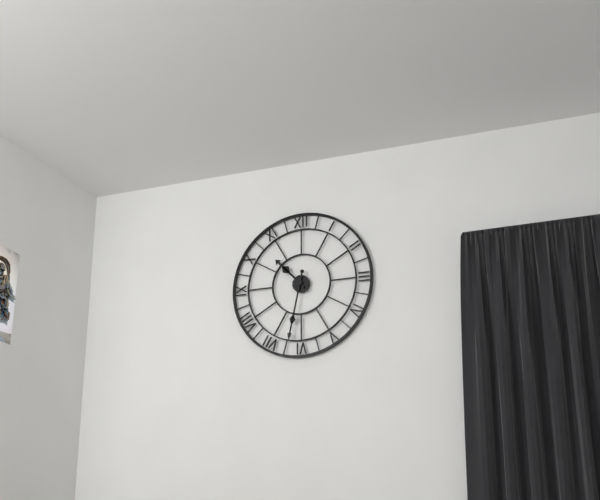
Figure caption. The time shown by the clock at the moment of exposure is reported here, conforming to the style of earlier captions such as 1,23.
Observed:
10,32
